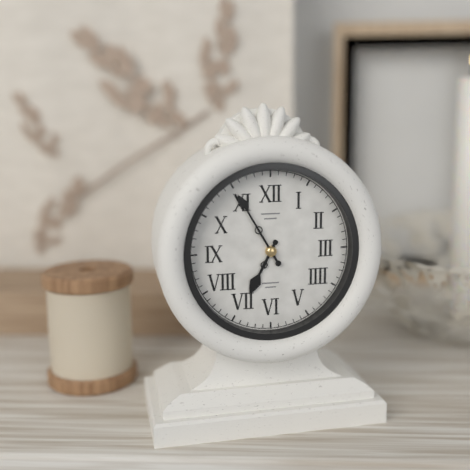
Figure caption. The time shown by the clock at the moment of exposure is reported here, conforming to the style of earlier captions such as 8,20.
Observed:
6,55
